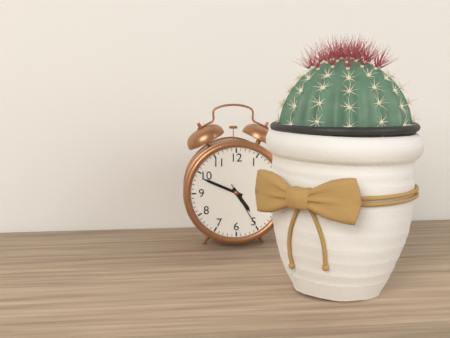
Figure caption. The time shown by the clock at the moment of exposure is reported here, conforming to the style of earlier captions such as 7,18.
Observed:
4,49
